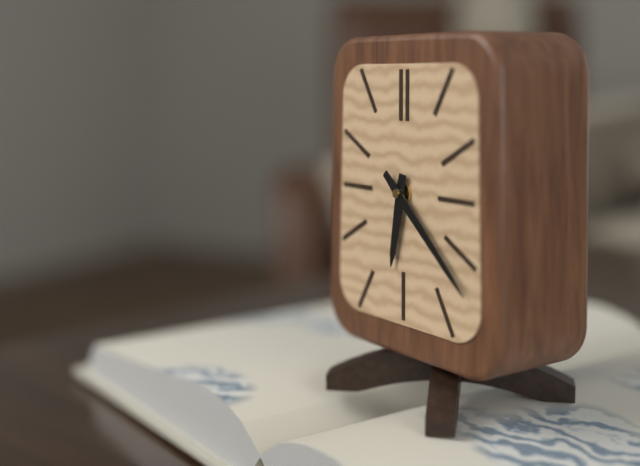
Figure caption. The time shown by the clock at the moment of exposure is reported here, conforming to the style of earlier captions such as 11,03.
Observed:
6,22
